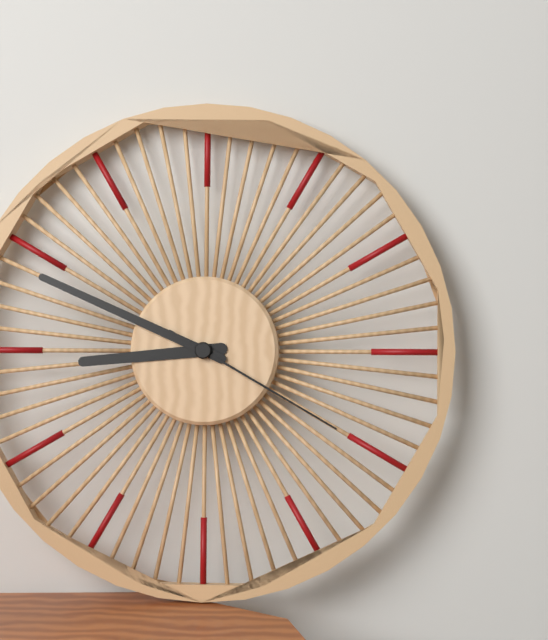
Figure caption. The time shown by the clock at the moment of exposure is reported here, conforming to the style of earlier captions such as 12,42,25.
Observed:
8,49,20
